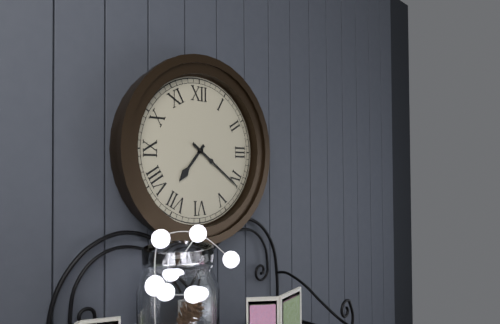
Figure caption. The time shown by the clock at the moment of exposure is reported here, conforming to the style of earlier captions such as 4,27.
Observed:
7,21
